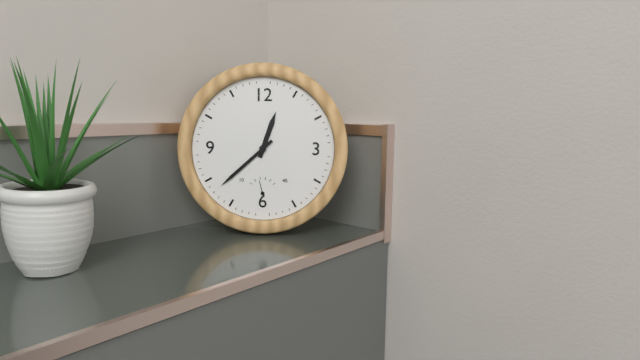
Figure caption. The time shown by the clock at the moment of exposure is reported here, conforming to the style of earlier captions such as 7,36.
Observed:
12,38
